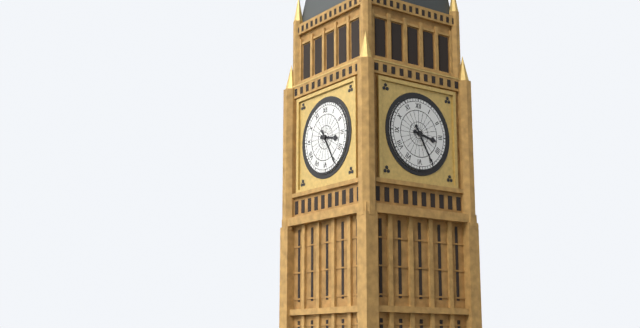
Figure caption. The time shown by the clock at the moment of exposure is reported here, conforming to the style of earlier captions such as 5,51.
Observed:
3,25
